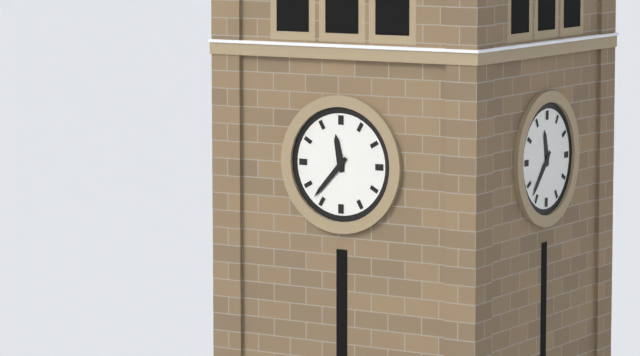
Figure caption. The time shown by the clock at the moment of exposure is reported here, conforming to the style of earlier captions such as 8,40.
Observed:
11,37
